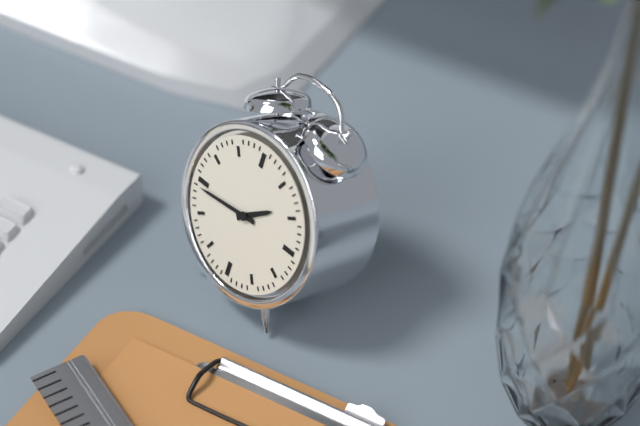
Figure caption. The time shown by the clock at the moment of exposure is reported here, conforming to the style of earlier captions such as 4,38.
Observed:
1,44
